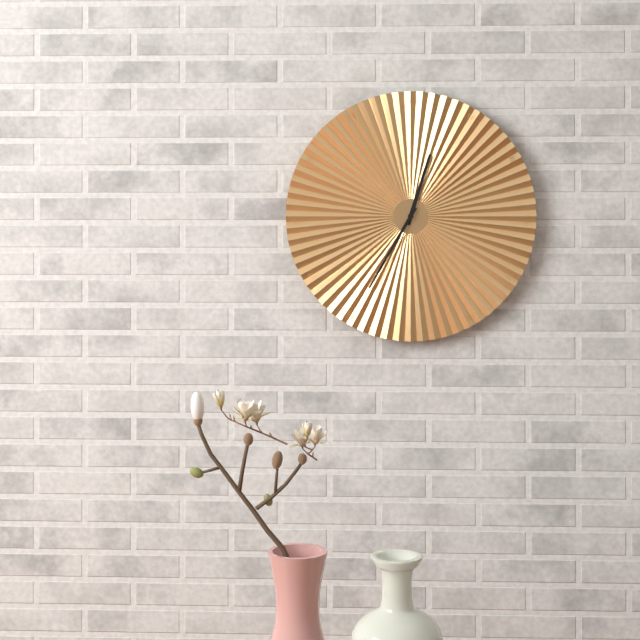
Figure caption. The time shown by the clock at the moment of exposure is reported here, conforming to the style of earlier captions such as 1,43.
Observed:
12,35
